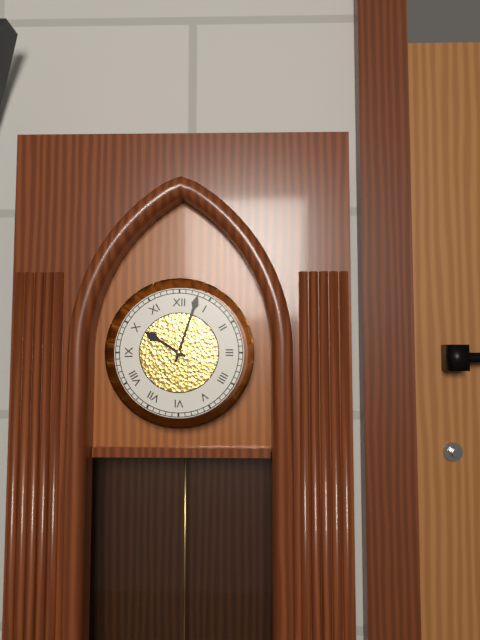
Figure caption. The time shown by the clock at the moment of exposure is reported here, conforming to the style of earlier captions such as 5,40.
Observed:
10,03
